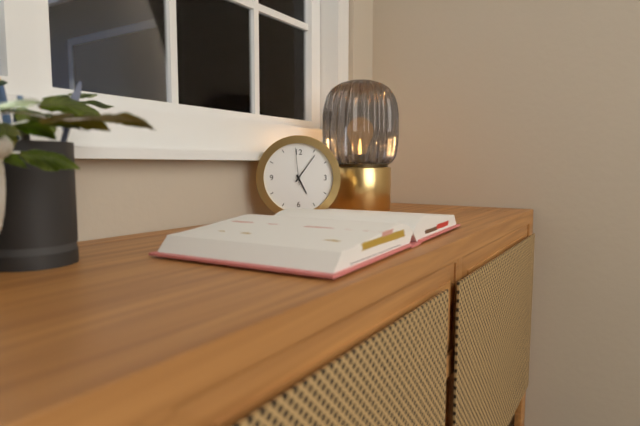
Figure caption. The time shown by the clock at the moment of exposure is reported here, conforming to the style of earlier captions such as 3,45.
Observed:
5,06
